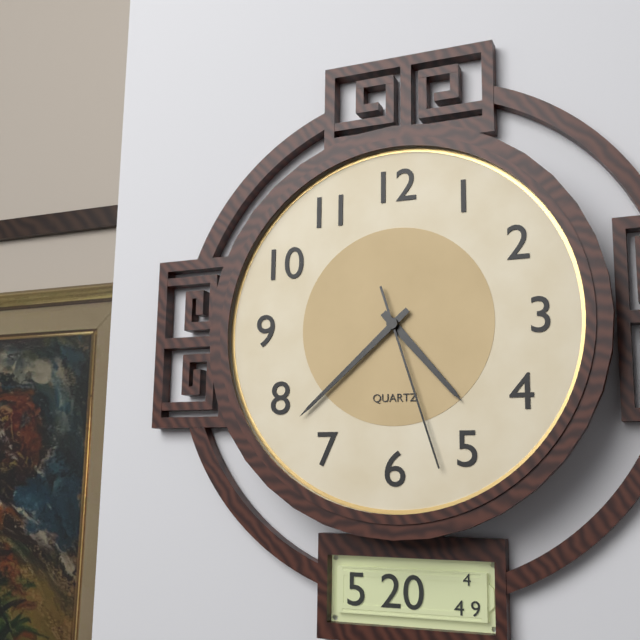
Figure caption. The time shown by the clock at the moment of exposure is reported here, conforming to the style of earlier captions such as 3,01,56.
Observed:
4,38,27
